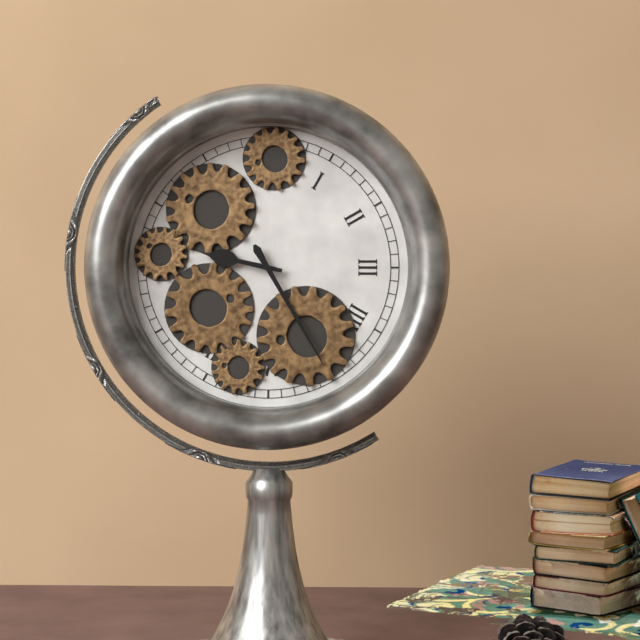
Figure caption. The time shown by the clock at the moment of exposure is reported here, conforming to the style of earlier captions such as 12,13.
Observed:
9,25
